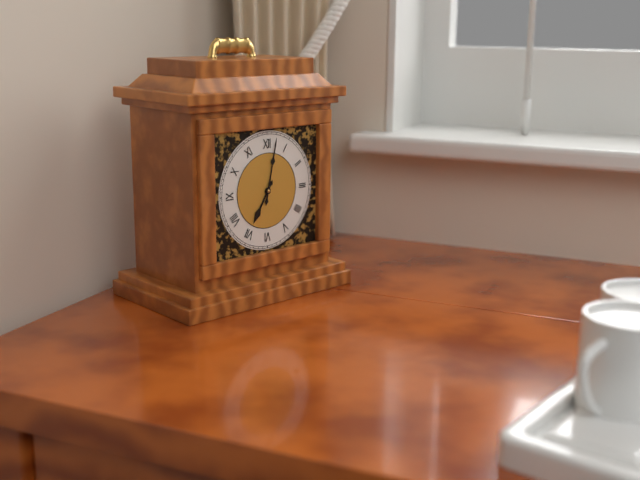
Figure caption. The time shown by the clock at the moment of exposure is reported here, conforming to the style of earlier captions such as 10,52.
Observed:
7,02
